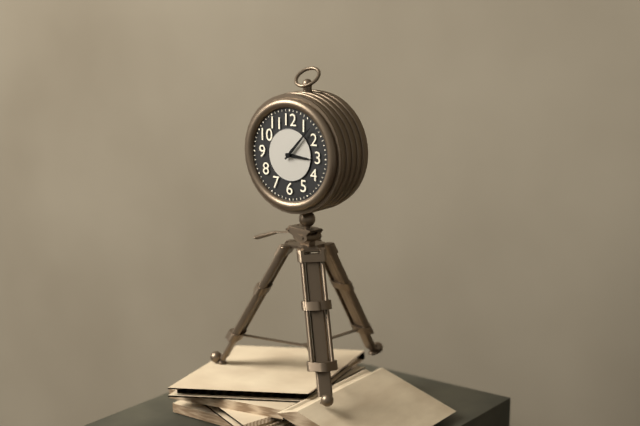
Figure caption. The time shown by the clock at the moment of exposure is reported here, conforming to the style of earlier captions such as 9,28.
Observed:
3,07
